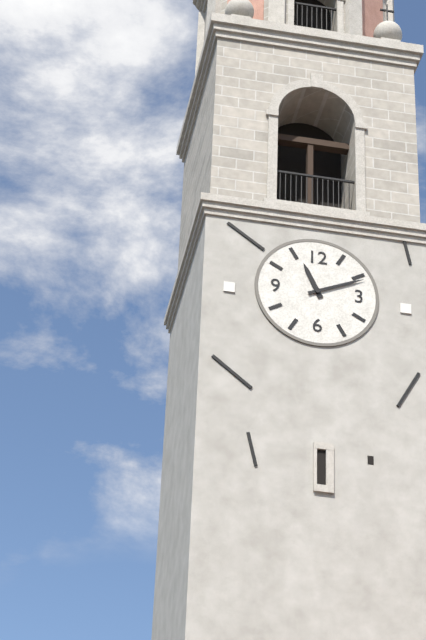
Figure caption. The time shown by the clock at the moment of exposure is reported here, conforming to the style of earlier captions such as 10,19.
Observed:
11,11
